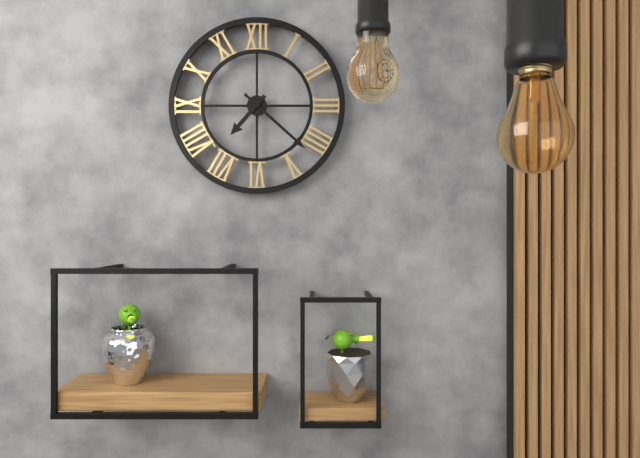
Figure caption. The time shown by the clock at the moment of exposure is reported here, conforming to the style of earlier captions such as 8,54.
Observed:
7,22
